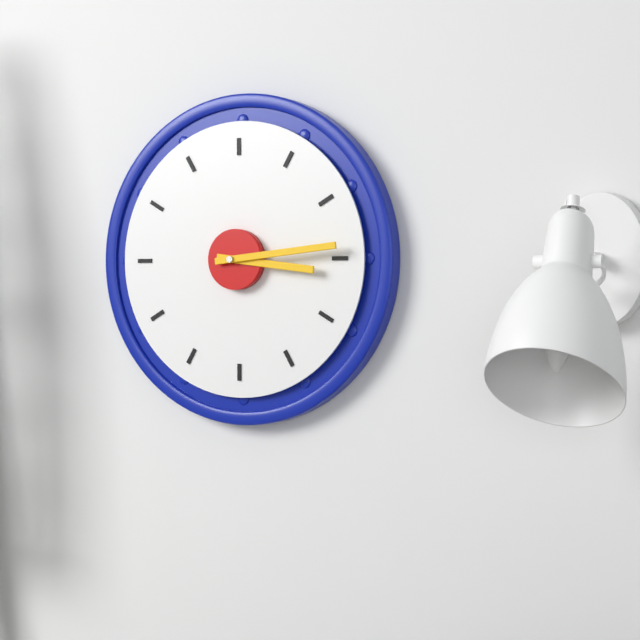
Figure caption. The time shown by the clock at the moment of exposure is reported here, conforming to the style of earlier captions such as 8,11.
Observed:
3,14
